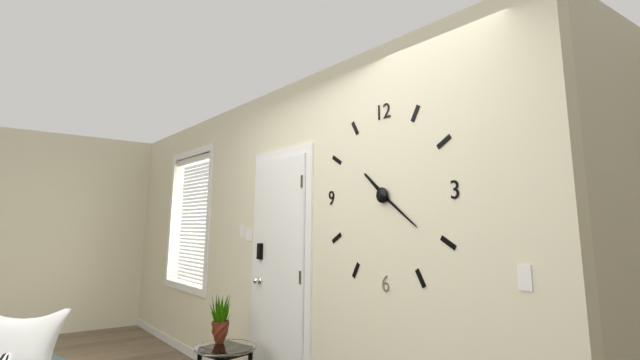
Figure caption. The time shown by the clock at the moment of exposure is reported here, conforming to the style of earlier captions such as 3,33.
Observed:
10,21
